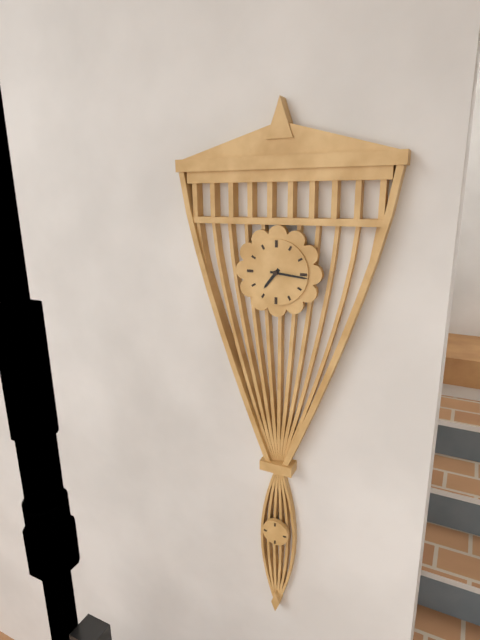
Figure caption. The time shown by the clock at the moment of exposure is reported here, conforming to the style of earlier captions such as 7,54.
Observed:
7,16
